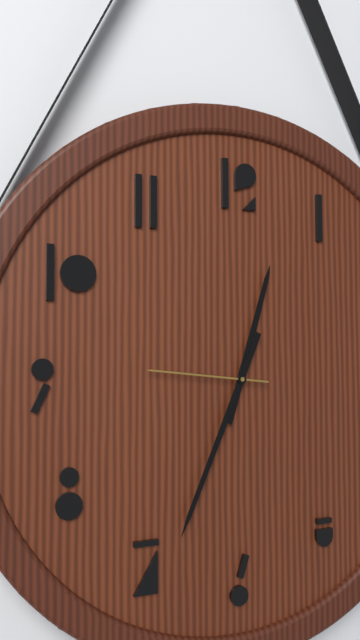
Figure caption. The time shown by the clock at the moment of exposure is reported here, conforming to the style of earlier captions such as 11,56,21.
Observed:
12,34,46
